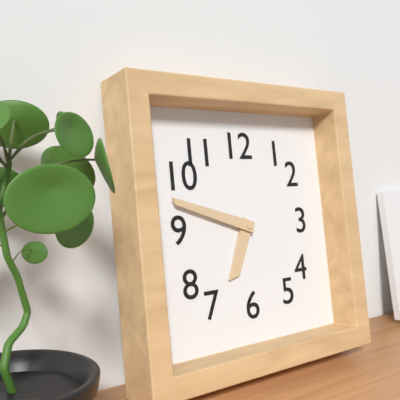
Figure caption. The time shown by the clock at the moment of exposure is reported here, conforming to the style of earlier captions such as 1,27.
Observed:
6,48
